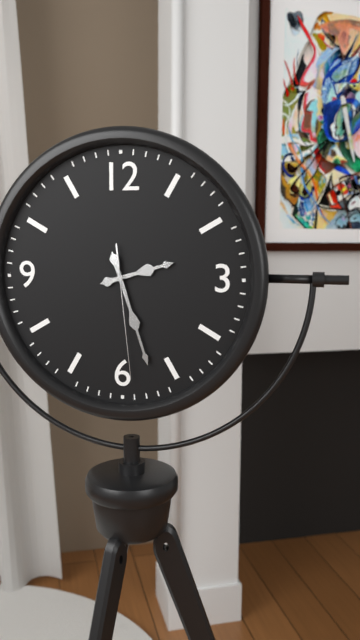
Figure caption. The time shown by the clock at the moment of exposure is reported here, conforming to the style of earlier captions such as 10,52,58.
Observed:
2,27,29
